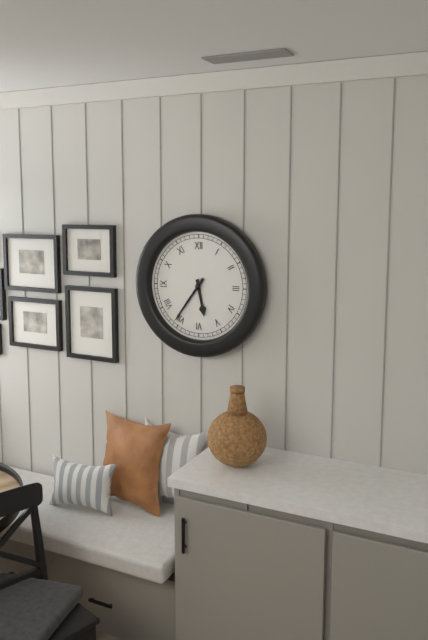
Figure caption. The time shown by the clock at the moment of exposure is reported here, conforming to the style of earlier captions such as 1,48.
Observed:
5,36
